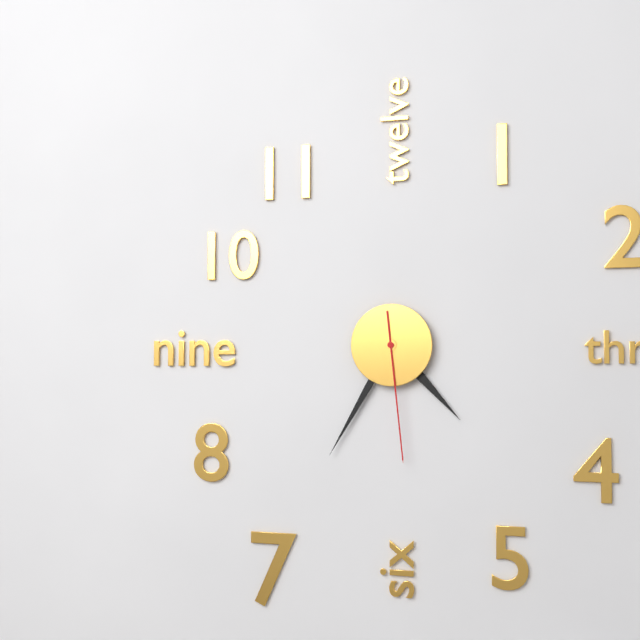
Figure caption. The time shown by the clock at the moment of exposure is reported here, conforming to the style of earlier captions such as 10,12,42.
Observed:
4,35,29
